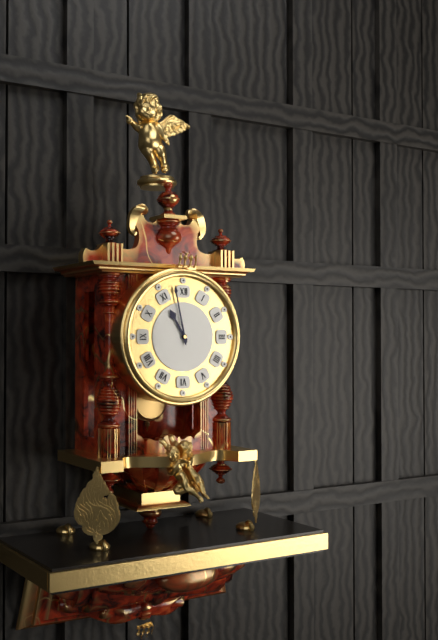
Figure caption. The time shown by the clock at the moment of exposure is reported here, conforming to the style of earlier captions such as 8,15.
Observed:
10,58
